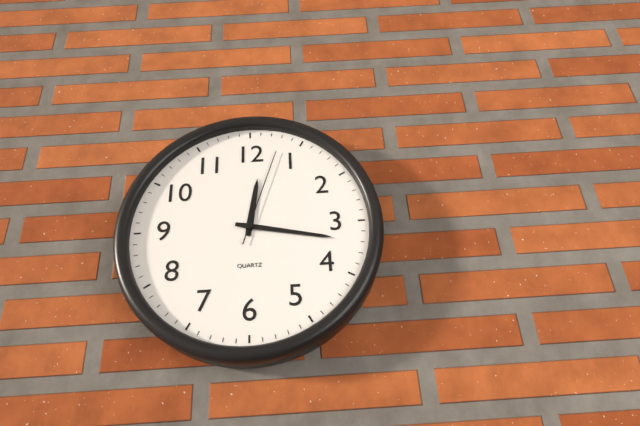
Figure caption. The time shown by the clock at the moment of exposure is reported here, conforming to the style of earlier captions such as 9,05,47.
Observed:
12,17,03
